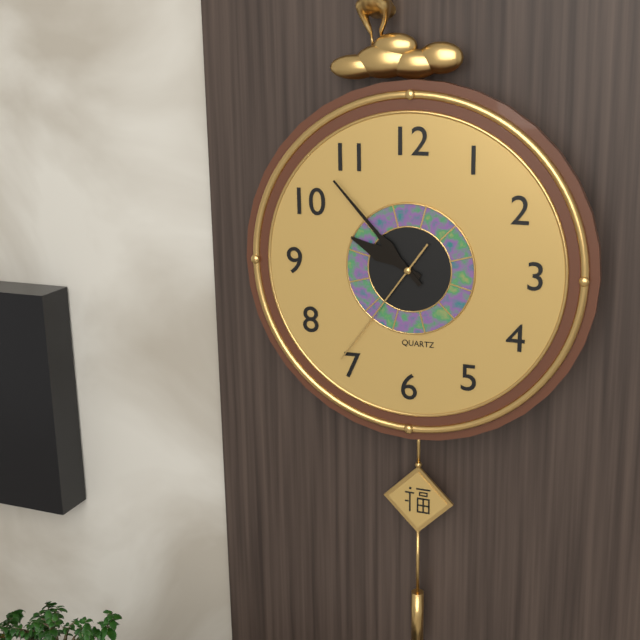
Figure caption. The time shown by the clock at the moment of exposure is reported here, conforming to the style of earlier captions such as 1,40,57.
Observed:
9,53,36
